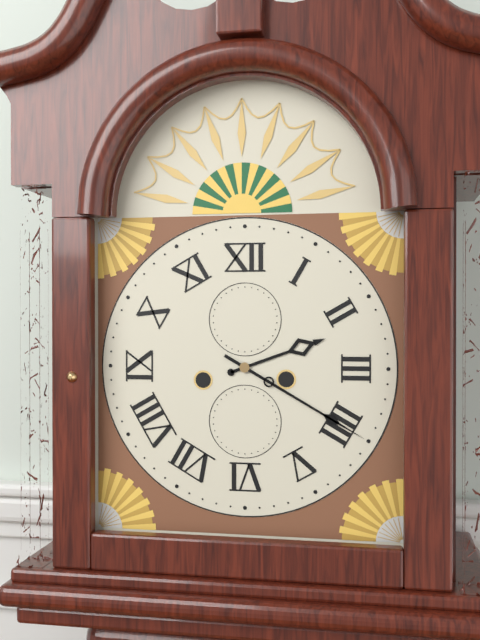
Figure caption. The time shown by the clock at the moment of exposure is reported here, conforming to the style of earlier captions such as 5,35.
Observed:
2,20
